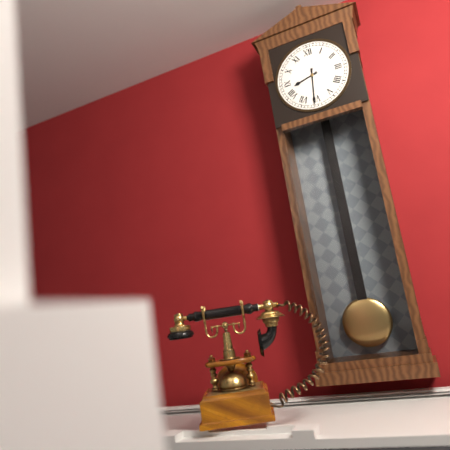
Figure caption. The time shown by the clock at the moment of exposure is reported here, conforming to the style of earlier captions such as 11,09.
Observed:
8,31
